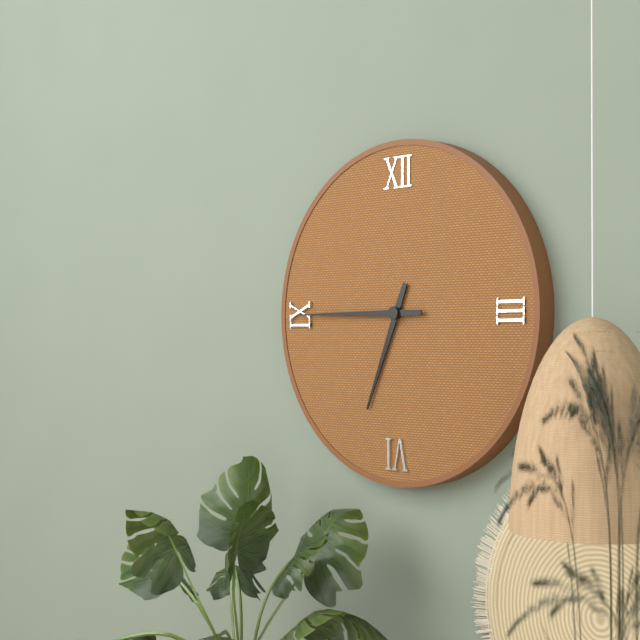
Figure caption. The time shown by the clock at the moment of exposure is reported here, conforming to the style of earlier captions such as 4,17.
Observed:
6,45
